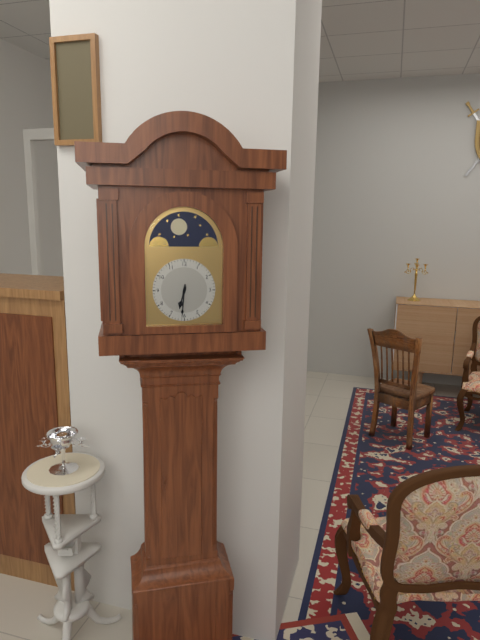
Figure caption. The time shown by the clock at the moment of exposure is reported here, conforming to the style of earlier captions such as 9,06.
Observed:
6,31
